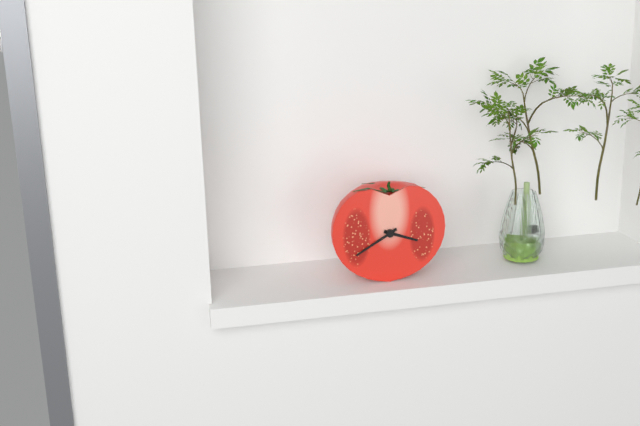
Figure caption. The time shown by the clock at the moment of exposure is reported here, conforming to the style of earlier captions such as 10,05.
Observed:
3,40
